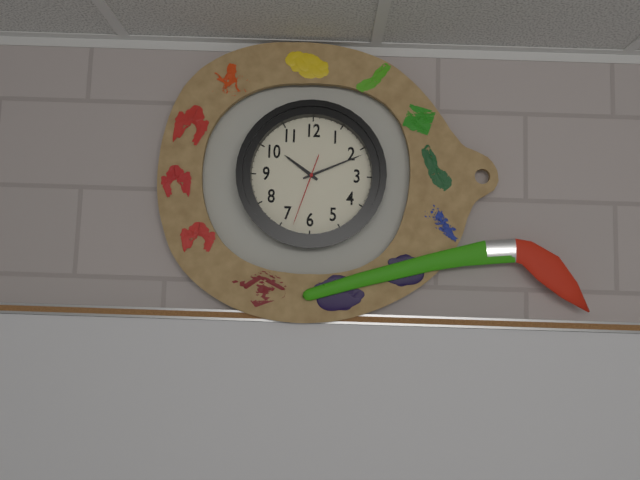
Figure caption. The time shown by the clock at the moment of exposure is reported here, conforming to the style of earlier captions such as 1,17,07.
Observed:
10,11,33
